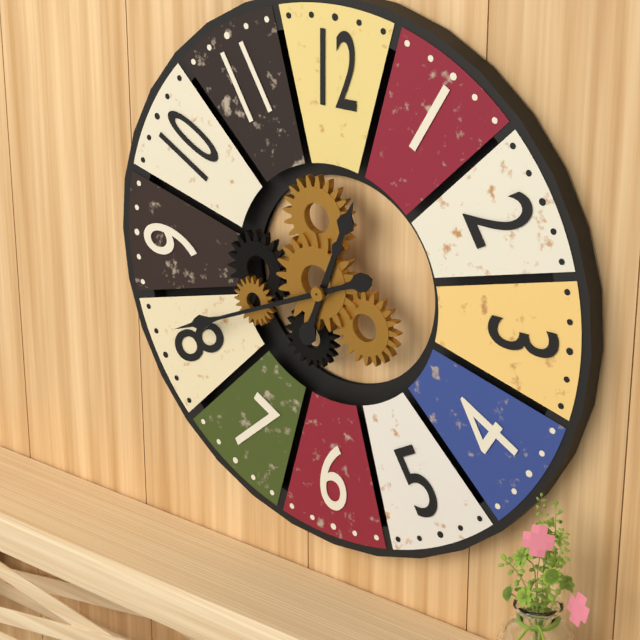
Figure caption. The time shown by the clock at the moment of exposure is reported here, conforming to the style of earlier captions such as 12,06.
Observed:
12,41
